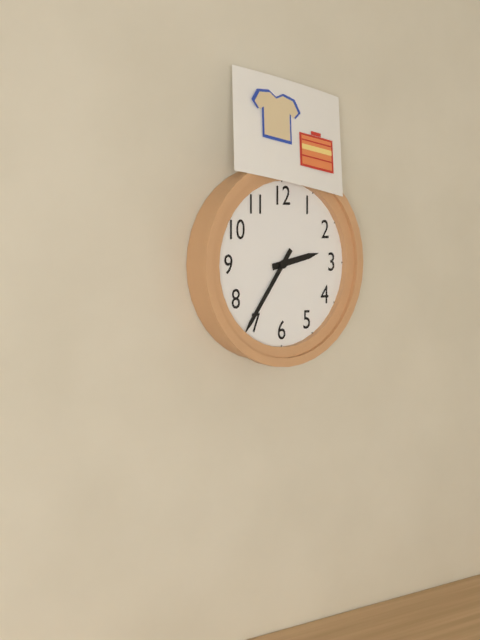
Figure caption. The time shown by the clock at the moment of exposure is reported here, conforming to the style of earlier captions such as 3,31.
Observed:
2,36
